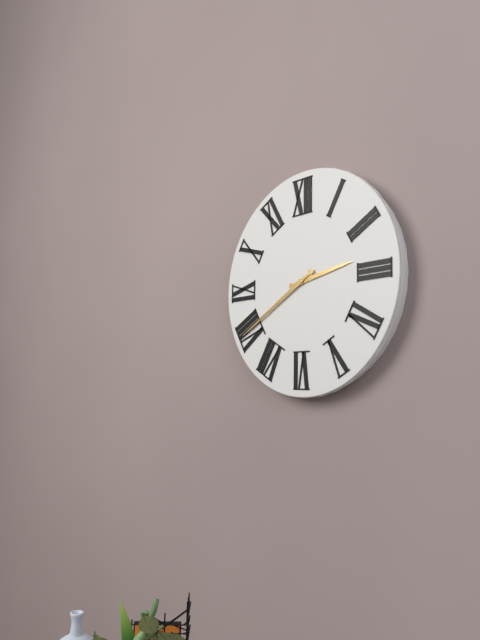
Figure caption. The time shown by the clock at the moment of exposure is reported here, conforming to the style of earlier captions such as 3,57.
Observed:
2,40
